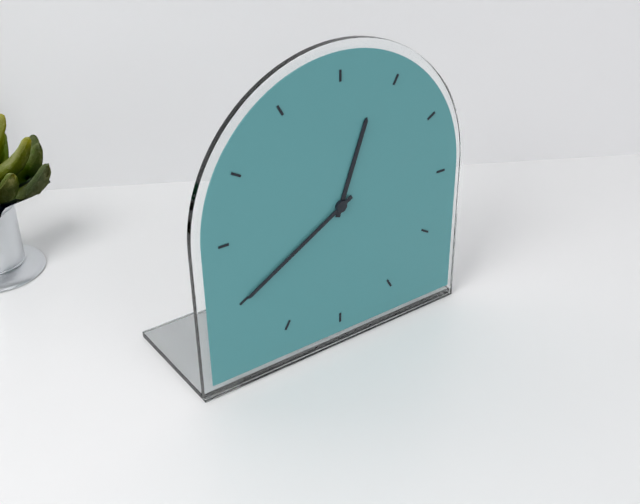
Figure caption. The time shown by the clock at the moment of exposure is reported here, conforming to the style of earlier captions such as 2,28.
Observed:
12,40
